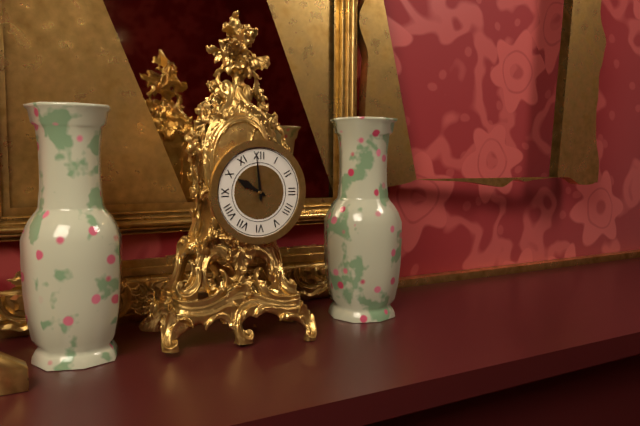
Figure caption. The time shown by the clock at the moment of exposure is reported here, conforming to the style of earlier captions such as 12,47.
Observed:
9,59
